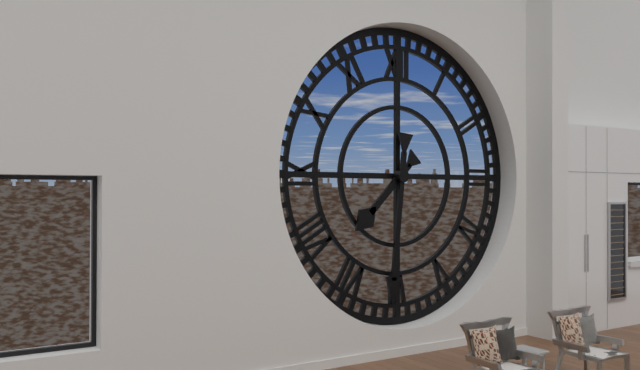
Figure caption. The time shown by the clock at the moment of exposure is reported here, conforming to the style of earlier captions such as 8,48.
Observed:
7,31
